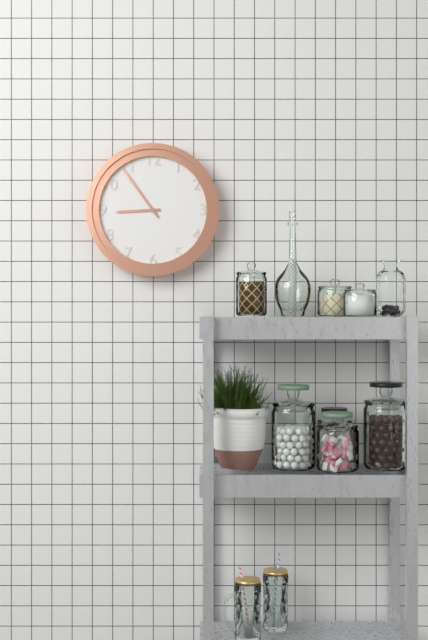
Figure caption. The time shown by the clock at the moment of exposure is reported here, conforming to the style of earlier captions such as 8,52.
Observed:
8,54
